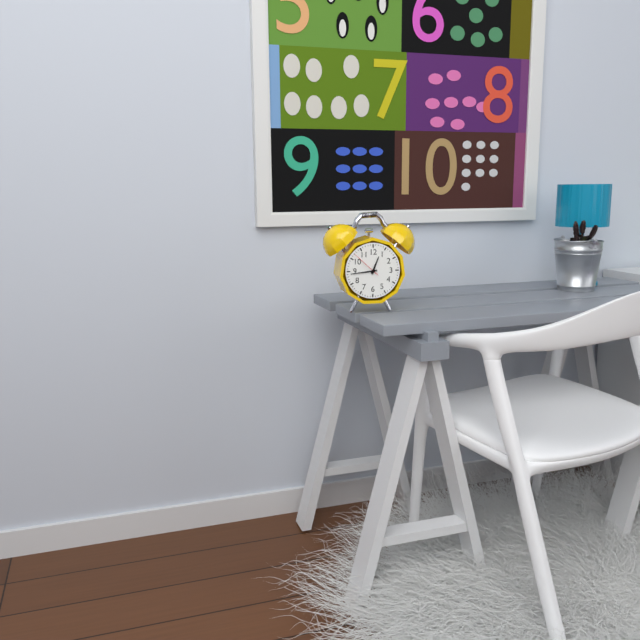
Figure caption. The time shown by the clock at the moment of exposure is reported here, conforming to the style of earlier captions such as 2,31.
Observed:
12,44
